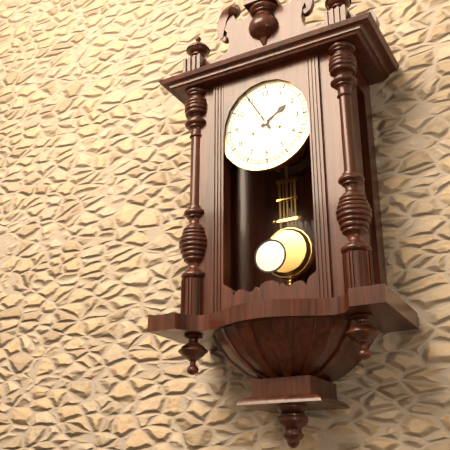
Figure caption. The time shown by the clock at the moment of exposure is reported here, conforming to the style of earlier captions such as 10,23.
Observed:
1,55
